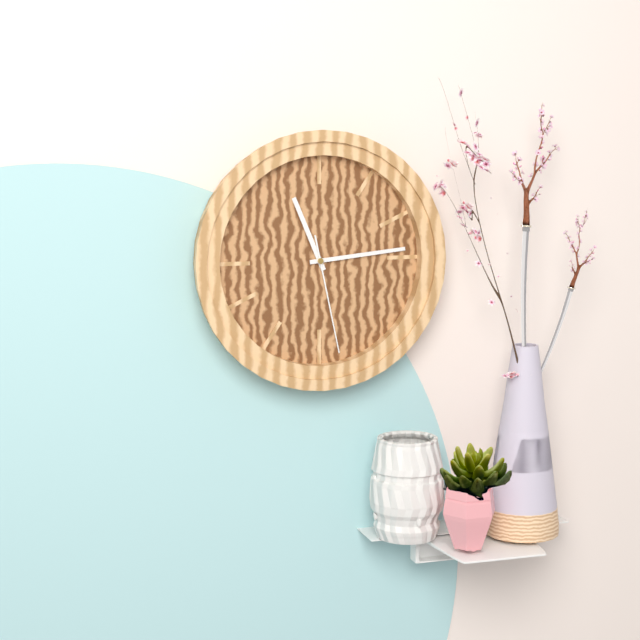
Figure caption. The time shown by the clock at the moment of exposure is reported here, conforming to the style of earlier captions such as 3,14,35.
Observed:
11,14,28
